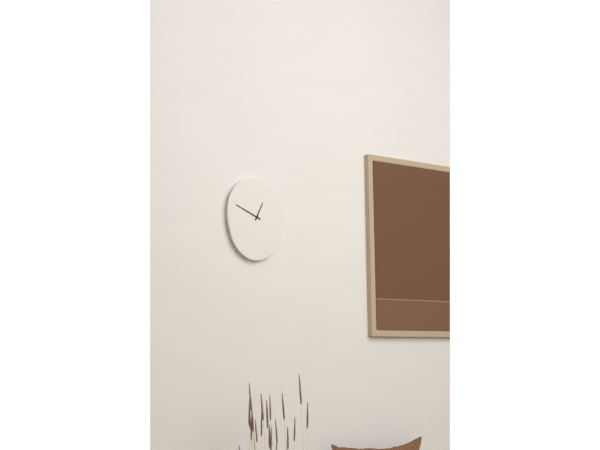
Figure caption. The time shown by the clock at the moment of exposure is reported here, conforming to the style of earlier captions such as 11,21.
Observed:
12,49
